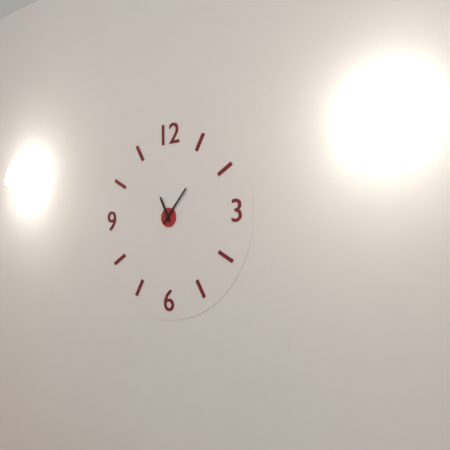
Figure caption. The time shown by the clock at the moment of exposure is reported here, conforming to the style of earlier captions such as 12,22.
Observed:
11,07
